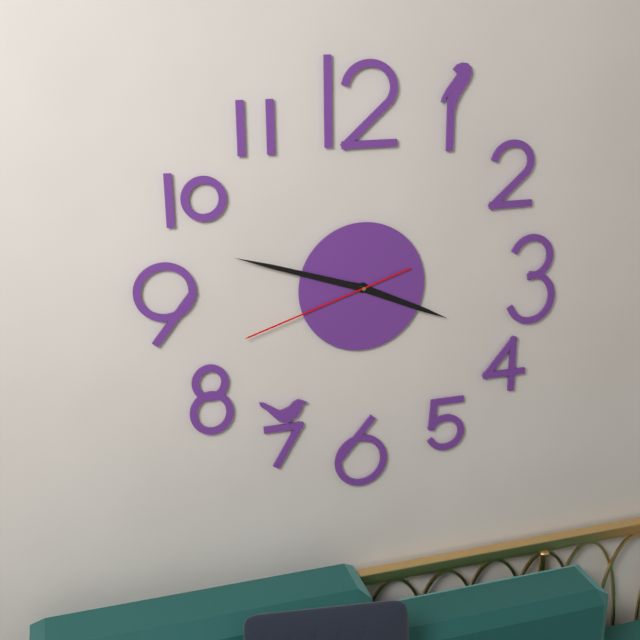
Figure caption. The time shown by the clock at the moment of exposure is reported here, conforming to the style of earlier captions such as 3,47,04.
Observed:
3,48,42
